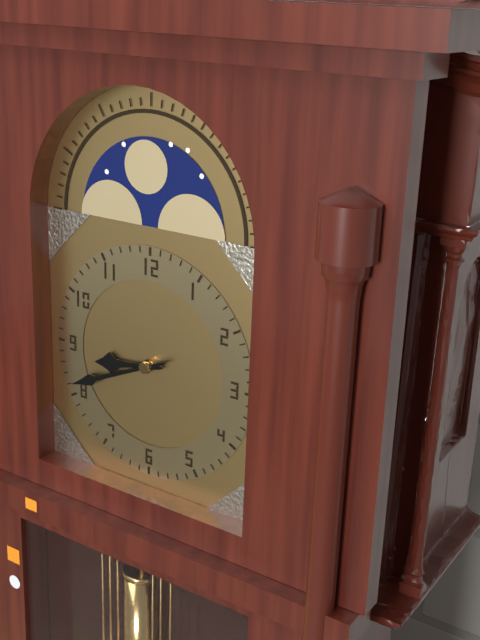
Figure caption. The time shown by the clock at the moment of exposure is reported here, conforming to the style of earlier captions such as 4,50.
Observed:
8,41
